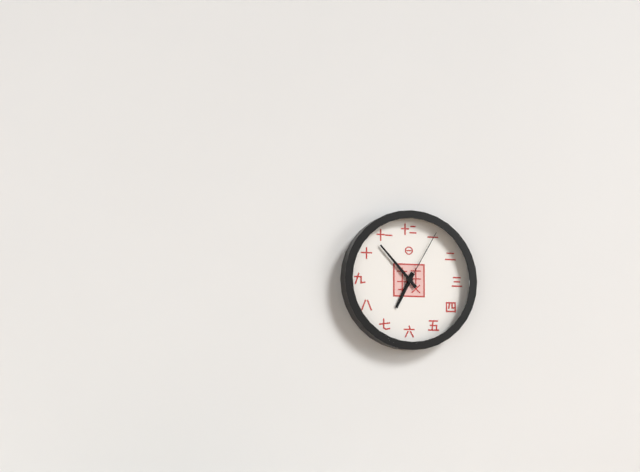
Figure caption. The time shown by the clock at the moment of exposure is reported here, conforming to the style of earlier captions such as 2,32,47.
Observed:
6,53,05
